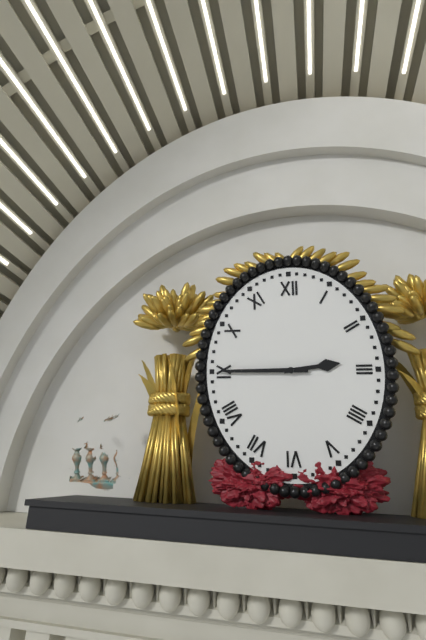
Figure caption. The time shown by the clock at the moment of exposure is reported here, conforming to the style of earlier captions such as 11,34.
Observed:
2,45
